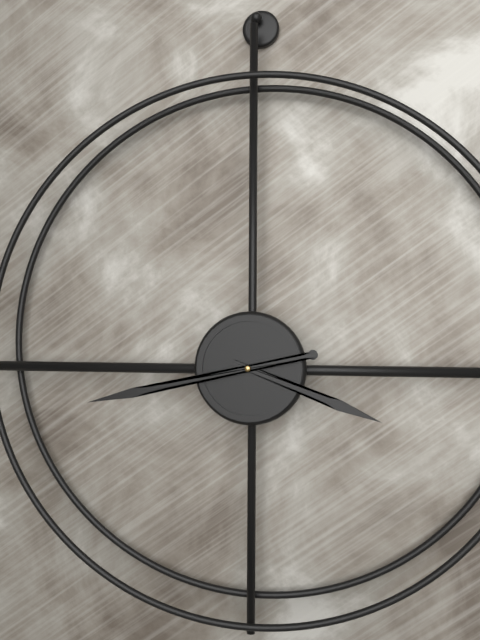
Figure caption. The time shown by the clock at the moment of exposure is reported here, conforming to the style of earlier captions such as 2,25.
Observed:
3,43
